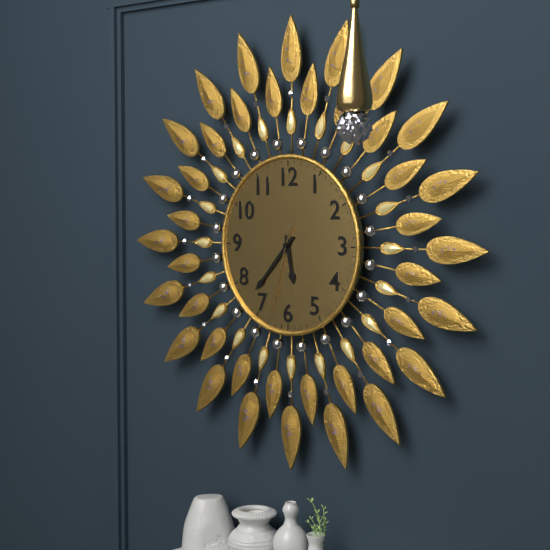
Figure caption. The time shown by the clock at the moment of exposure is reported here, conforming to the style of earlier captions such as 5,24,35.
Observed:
5,37,33
